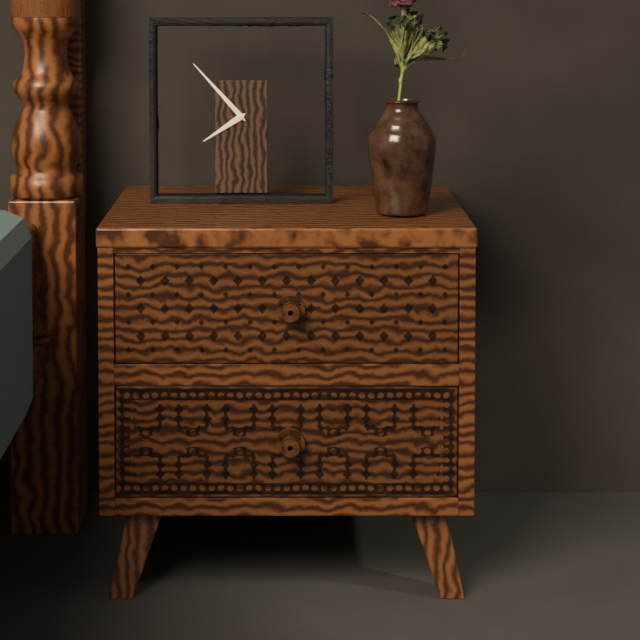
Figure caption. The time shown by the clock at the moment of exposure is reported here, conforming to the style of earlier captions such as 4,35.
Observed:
7,53
